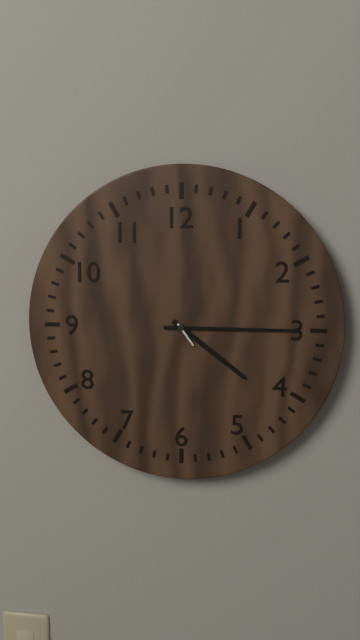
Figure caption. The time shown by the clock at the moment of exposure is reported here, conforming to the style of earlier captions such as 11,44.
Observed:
4,15
